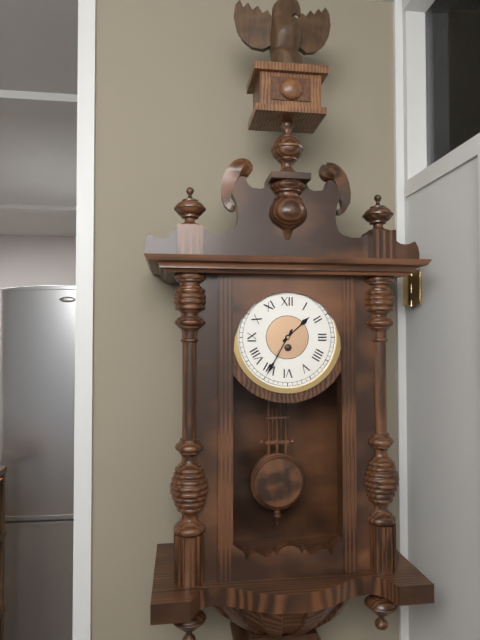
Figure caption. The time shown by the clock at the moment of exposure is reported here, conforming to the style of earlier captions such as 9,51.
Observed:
1,35
